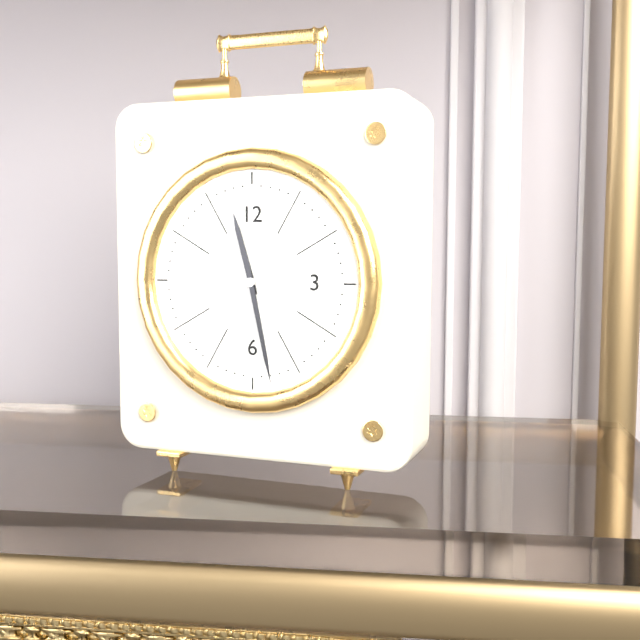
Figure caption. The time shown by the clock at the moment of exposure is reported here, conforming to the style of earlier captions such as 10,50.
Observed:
11,28
